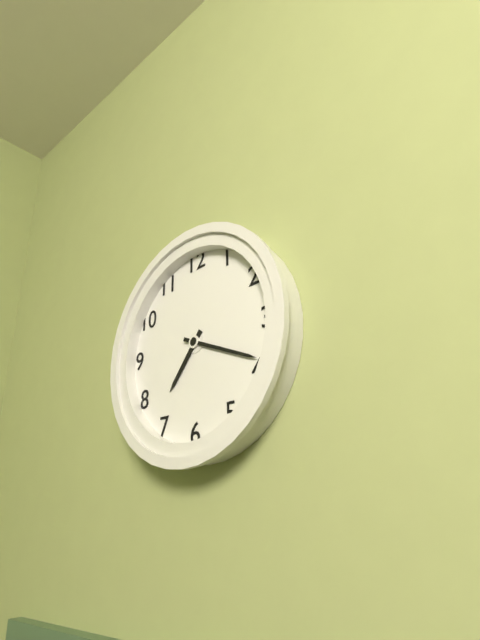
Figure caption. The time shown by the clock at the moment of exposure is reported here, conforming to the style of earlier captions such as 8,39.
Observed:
7,19
